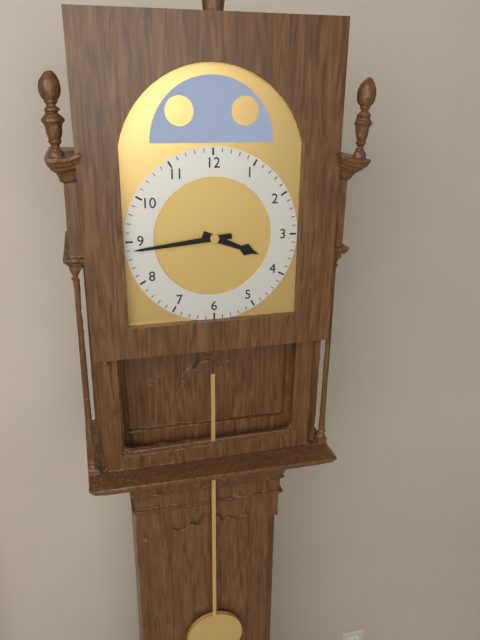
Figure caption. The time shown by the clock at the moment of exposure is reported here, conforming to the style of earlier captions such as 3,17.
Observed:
3,44
